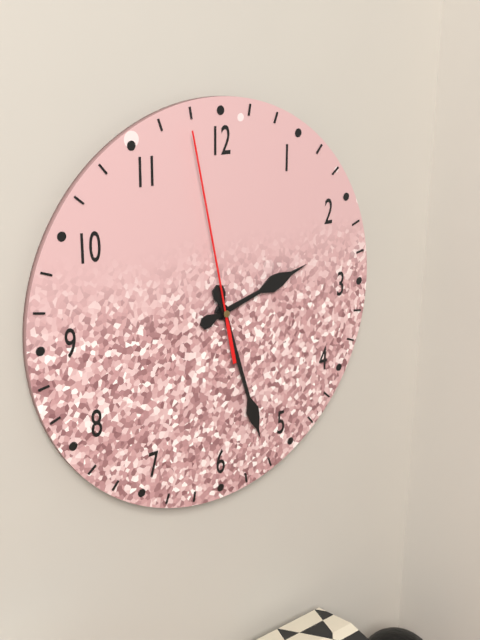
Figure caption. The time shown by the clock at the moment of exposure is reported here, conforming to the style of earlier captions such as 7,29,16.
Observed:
2,27,58
